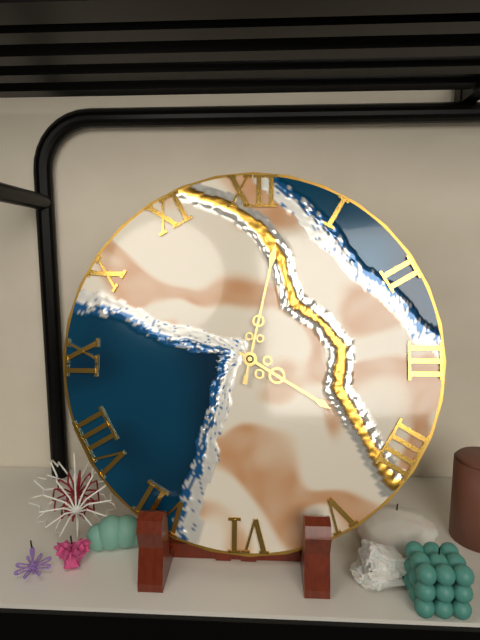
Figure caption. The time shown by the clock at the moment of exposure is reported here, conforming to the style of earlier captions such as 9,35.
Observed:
4,02
